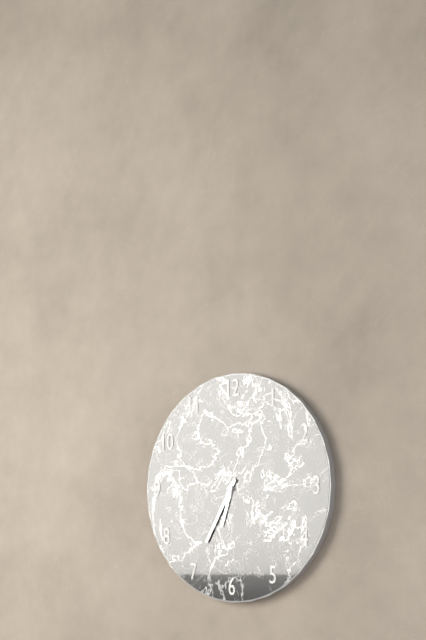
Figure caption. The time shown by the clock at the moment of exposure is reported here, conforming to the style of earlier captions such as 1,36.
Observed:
6,35
